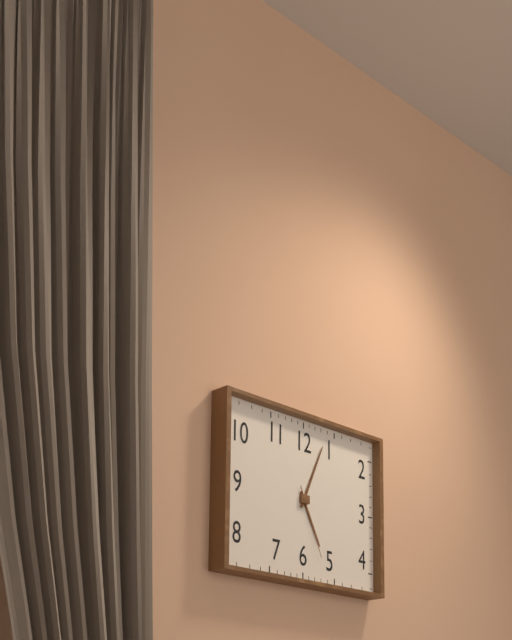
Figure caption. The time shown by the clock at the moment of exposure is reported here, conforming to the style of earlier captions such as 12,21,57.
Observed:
5,04,26
